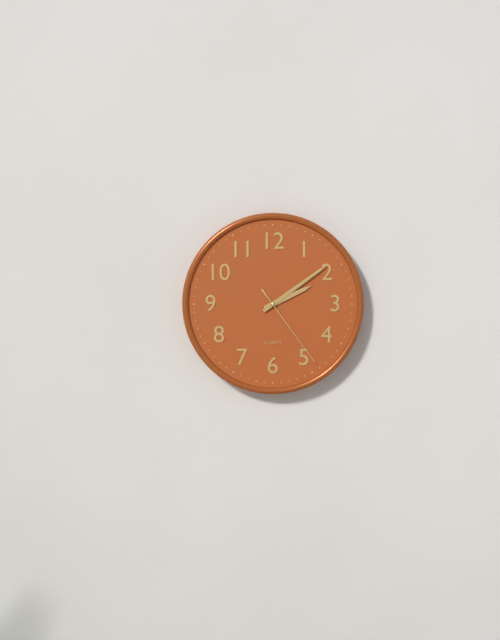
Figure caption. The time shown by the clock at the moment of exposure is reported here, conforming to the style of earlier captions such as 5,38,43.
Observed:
2,09,24
